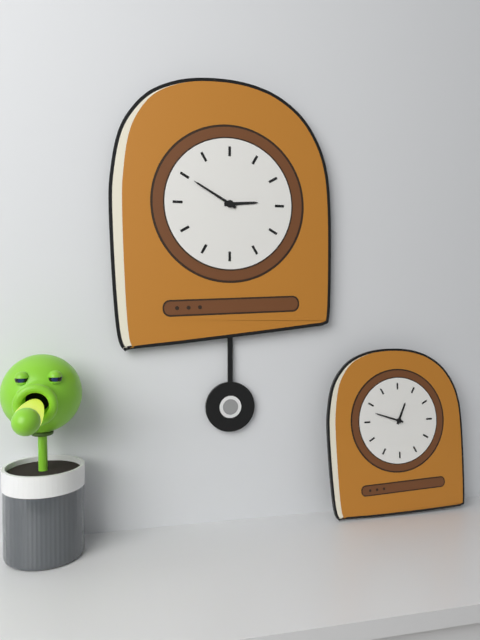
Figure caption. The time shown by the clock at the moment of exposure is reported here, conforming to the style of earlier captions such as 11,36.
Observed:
2,50
